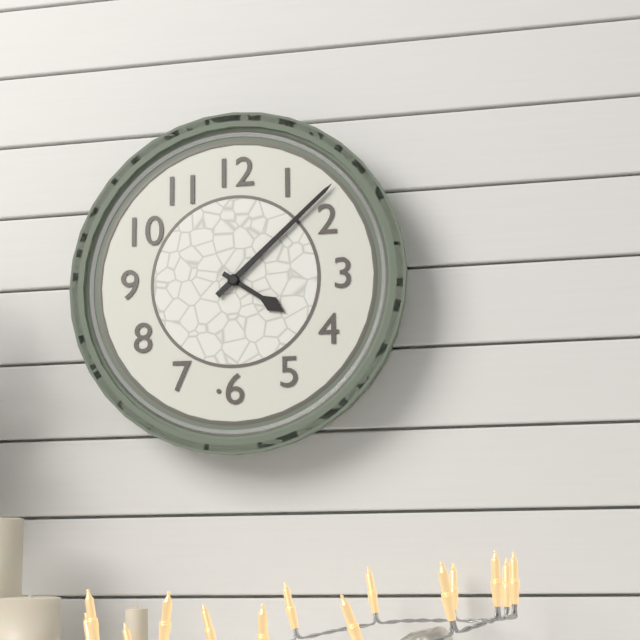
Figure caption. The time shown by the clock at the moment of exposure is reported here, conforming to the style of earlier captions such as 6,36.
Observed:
4,08
